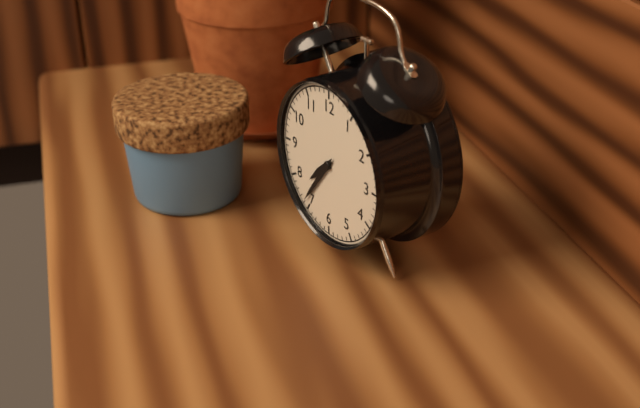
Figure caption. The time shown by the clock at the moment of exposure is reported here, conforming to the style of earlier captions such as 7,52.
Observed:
7,36
